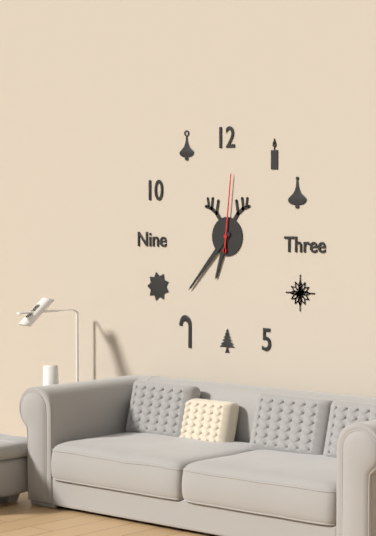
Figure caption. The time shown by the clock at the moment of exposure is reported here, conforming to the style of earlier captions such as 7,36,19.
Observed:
6,37,01
